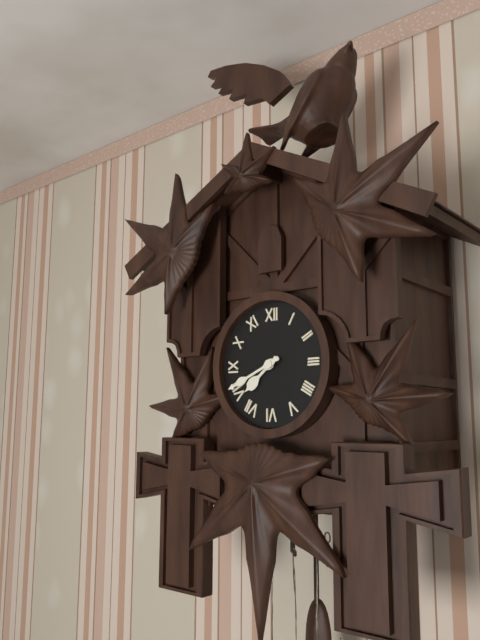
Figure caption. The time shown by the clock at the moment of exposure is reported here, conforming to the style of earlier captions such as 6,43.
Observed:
7,41
